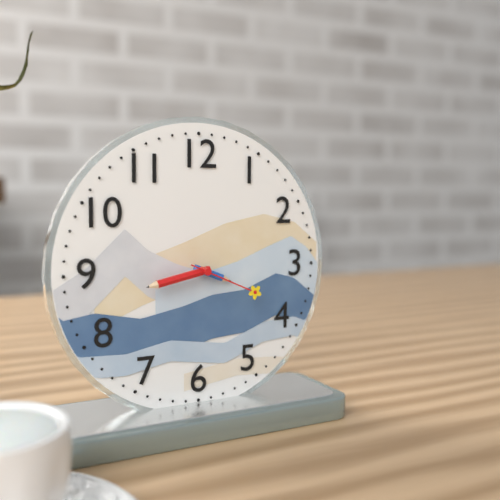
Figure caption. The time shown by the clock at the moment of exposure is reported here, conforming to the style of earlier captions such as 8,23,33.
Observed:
3,43,19
